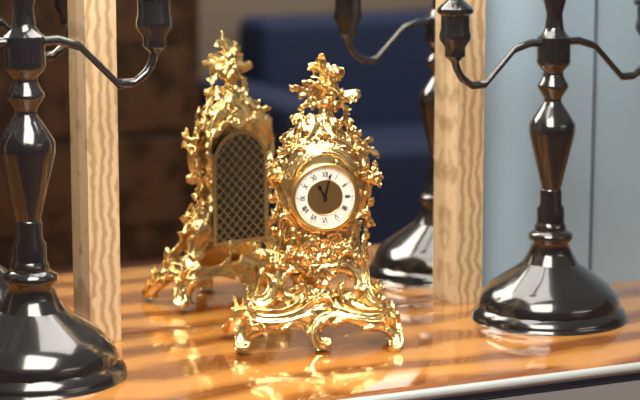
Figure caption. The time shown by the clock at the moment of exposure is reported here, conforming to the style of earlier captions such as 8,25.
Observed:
11,02
